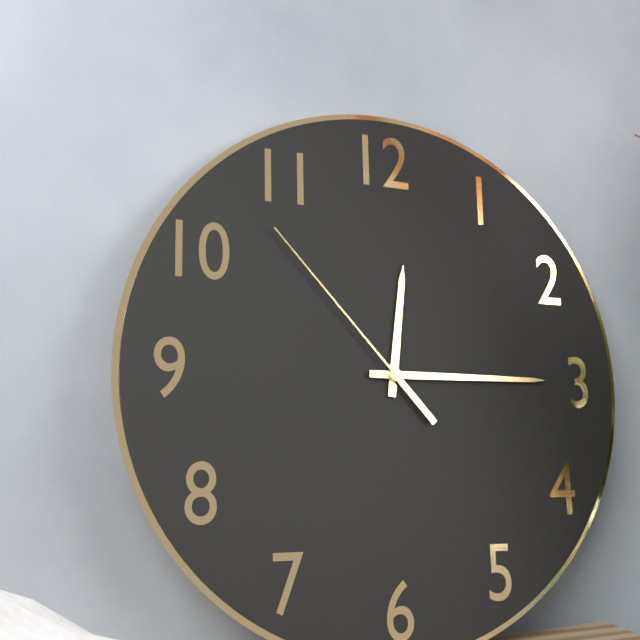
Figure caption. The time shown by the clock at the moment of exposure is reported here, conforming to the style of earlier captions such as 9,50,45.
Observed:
12,15,53
